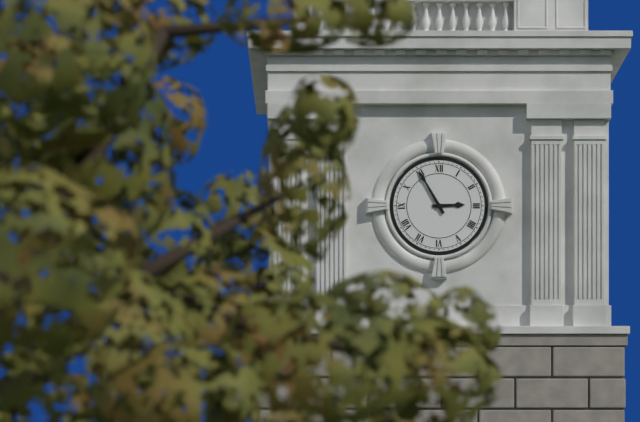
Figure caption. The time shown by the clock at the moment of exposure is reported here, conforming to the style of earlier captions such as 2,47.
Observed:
2,55
